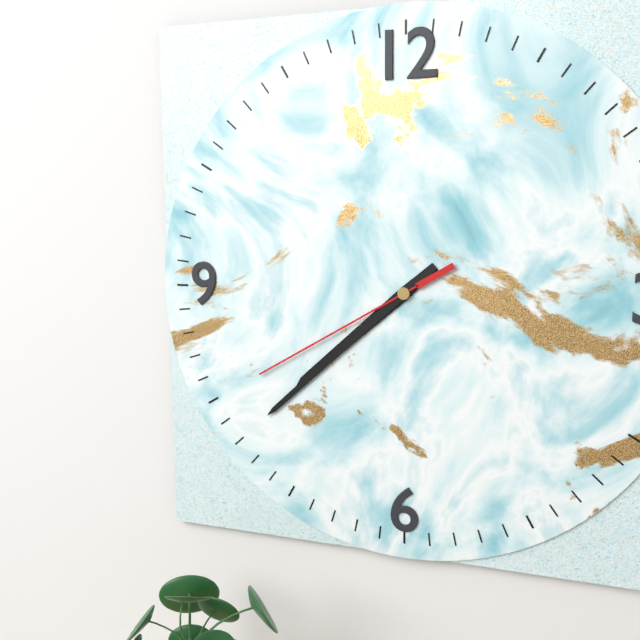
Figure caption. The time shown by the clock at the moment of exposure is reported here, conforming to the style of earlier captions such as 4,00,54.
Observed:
7,38,40
